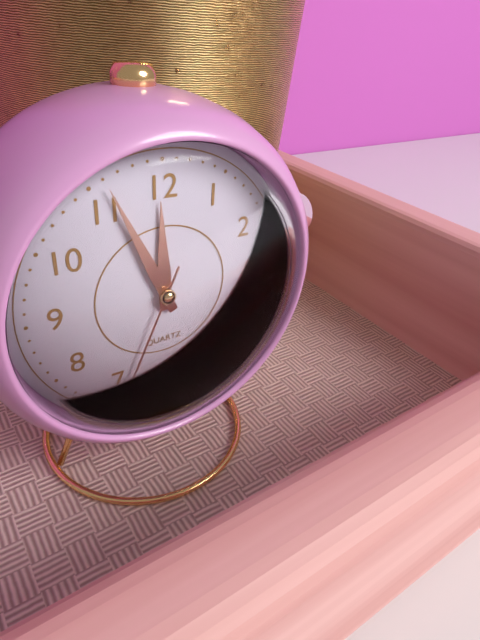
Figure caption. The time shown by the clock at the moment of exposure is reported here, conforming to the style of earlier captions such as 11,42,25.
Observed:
11,56,34
